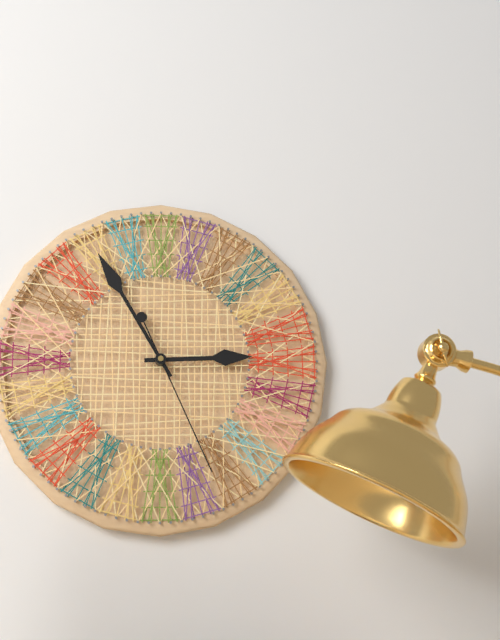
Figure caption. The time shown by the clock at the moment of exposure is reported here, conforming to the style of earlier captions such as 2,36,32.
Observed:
2,55,26
